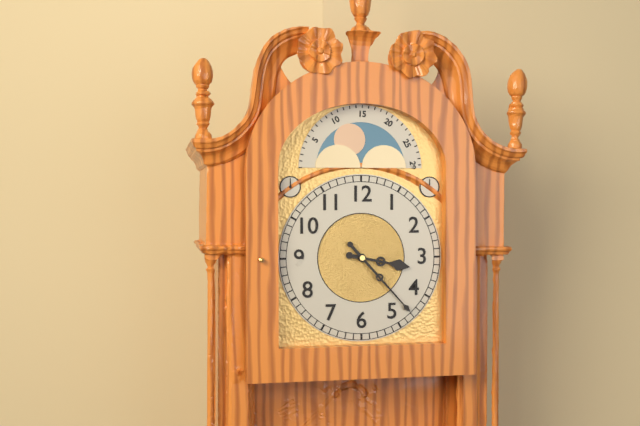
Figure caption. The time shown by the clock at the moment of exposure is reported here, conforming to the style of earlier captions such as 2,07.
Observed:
3,23
